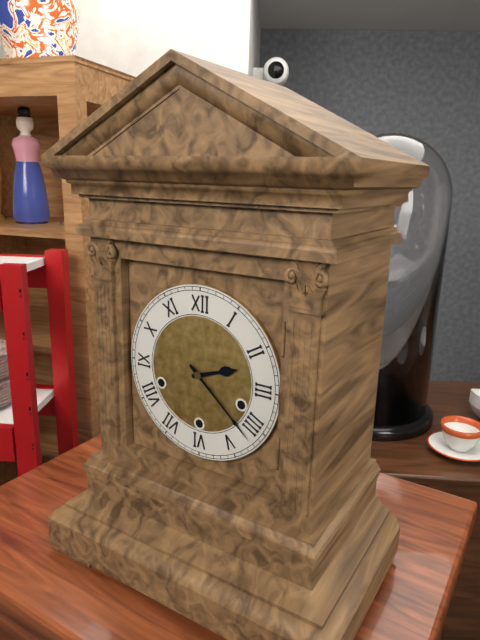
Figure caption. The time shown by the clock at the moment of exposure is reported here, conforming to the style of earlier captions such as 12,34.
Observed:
2,22
